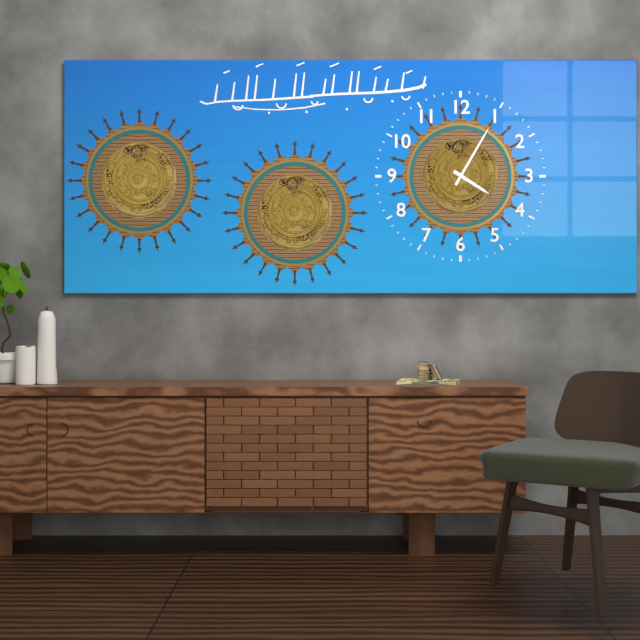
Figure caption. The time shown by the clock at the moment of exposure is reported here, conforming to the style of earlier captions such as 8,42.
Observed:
4,05
